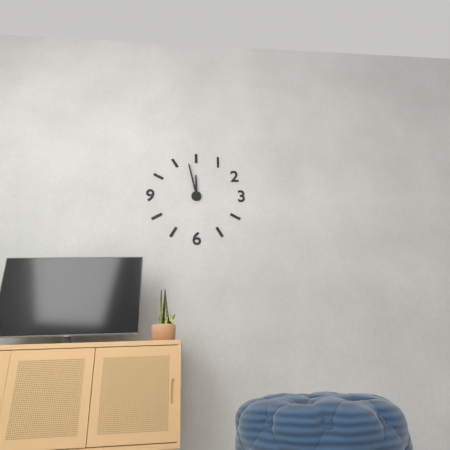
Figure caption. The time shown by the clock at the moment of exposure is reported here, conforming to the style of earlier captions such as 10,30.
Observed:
11,58
